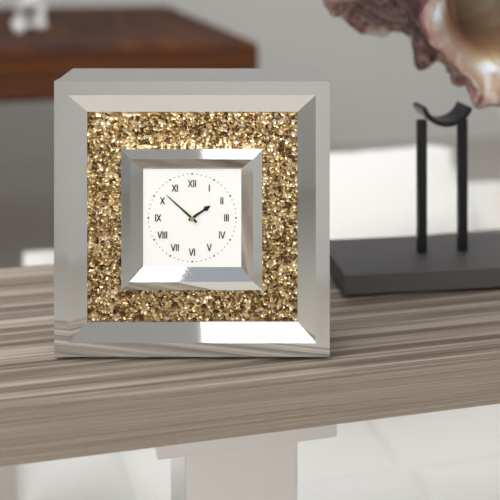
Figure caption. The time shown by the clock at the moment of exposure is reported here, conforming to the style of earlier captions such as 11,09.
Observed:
1,52
